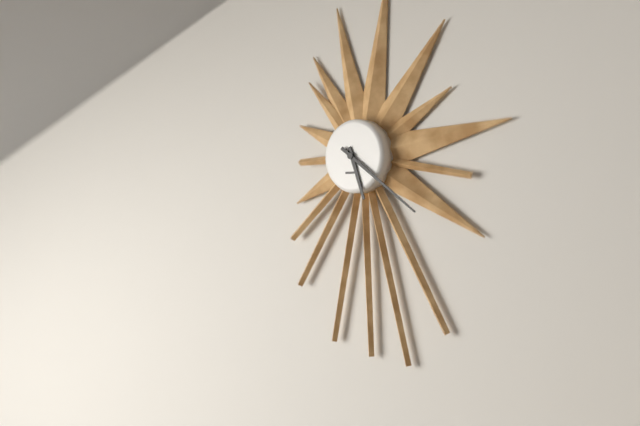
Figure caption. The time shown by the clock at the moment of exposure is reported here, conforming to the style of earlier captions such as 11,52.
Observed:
5,21
